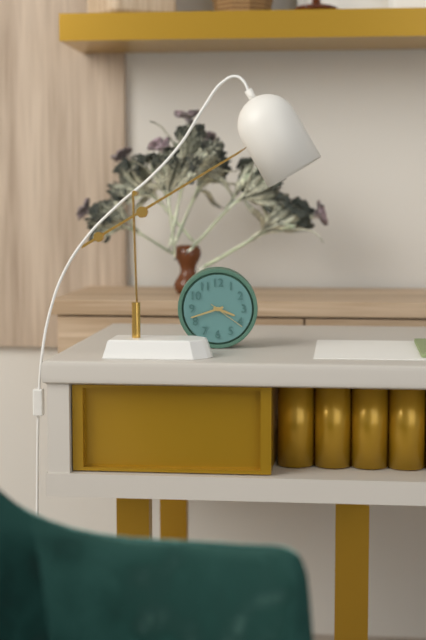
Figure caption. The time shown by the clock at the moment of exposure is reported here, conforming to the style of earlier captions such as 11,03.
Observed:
3,42
